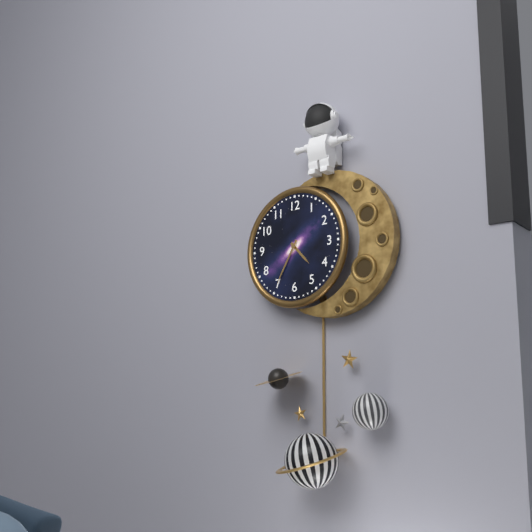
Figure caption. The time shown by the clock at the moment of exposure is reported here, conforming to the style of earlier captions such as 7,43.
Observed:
4,35
